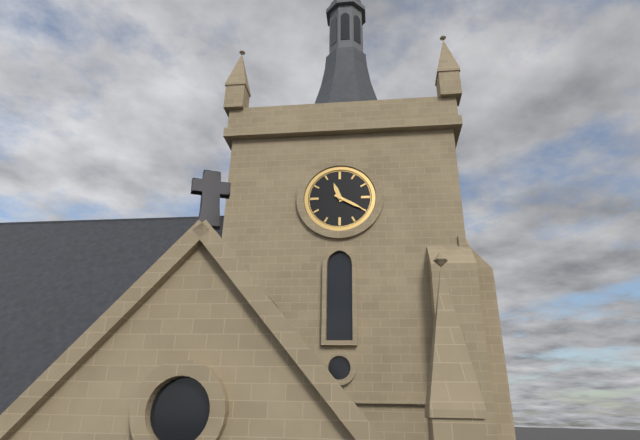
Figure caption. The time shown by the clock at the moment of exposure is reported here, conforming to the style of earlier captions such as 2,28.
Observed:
11,20
